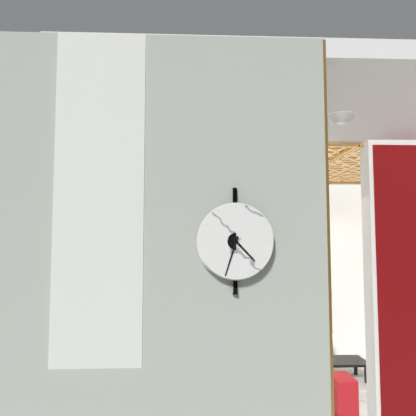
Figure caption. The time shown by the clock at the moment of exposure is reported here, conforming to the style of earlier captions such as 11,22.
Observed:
4,33
